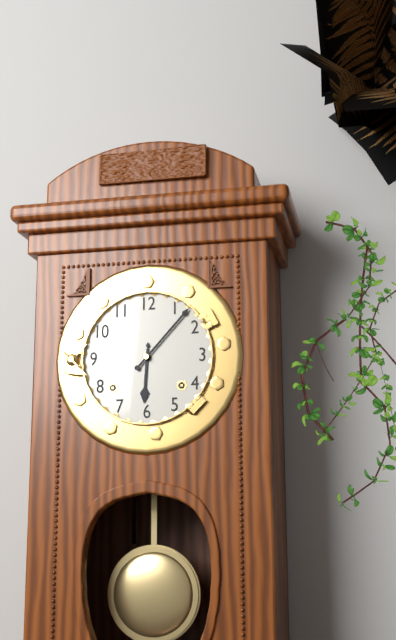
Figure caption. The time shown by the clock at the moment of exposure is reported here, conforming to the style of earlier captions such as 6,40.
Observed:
6,07
